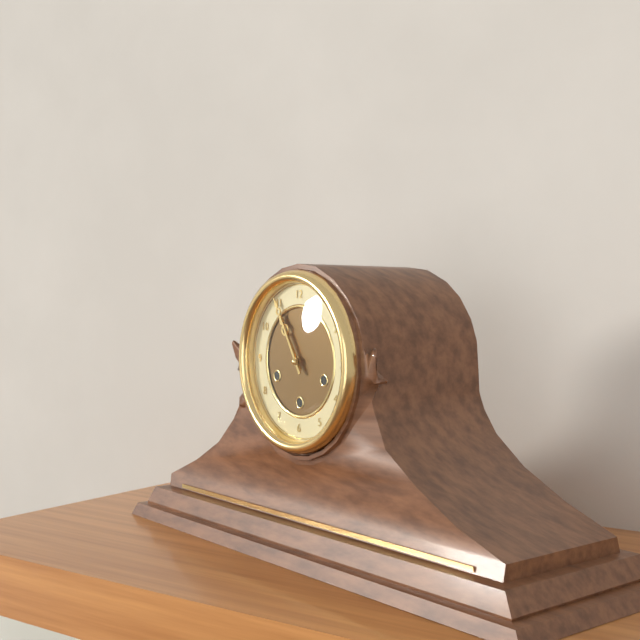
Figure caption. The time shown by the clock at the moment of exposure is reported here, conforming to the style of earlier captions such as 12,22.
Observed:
10,55
